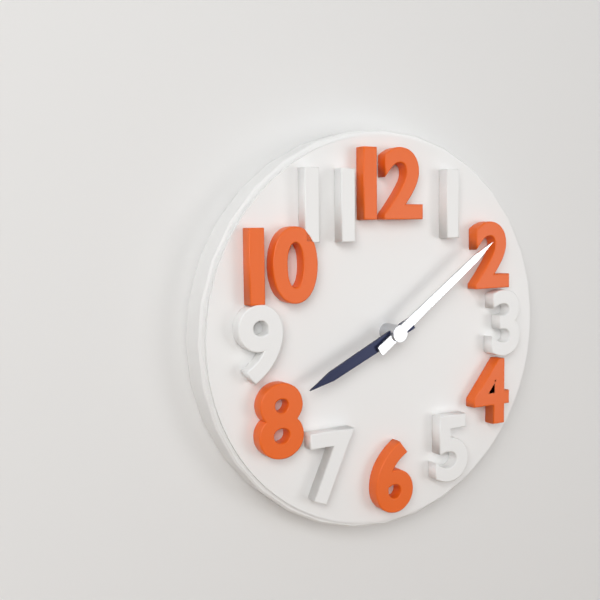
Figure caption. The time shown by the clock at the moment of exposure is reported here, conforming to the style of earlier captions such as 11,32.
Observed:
8,09
